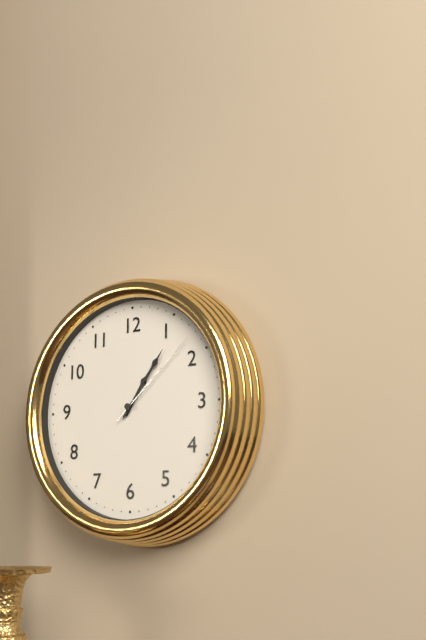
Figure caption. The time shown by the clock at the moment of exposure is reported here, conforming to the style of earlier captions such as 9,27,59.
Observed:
1,06,08
